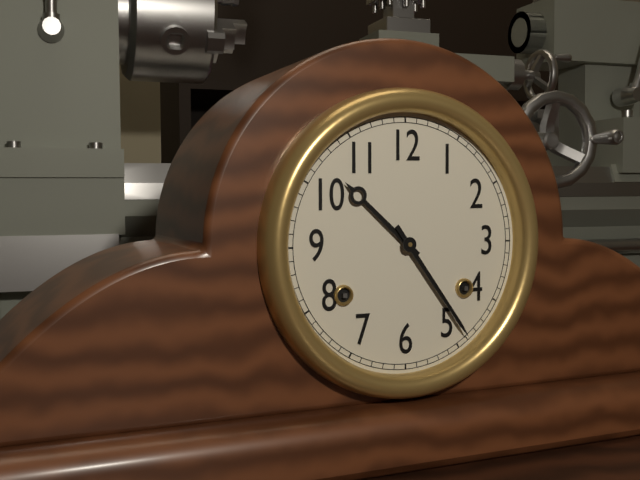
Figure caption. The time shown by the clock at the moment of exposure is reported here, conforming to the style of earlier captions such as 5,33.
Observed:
10,24
